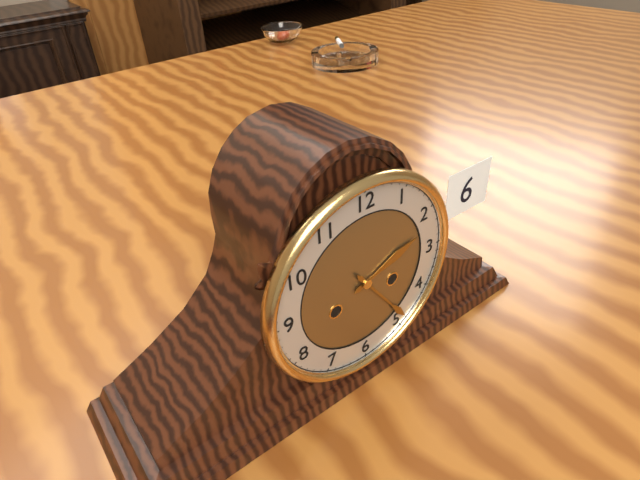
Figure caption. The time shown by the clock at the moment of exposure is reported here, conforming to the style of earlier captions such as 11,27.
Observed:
2,24
